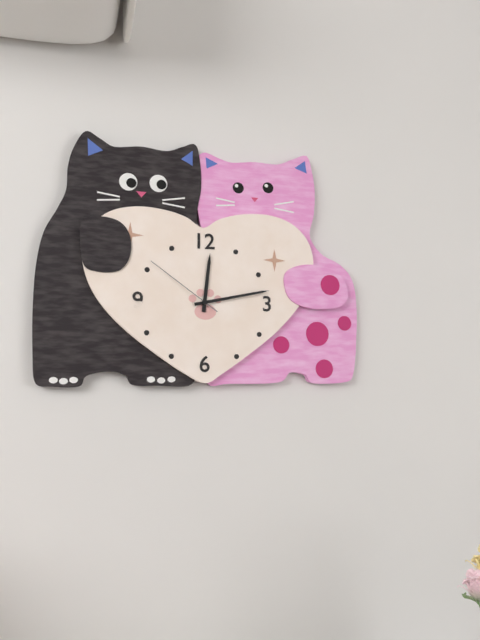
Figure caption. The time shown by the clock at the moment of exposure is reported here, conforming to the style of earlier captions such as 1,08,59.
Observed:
12,13,51
